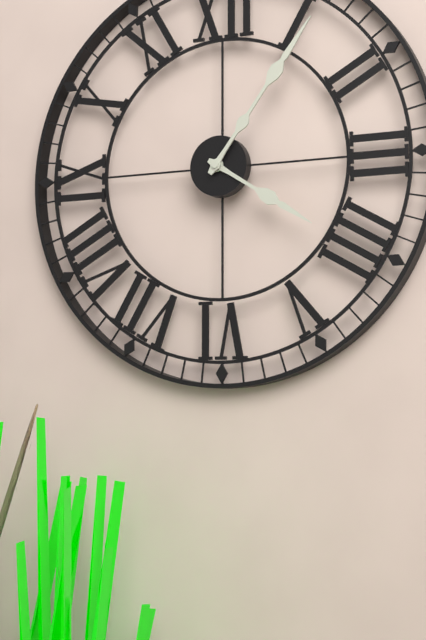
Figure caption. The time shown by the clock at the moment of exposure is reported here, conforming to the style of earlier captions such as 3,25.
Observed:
4,06
